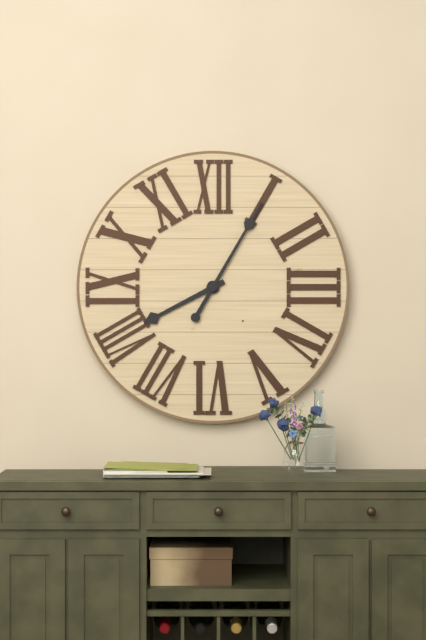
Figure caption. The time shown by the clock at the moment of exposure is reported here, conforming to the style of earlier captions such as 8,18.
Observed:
8,05
